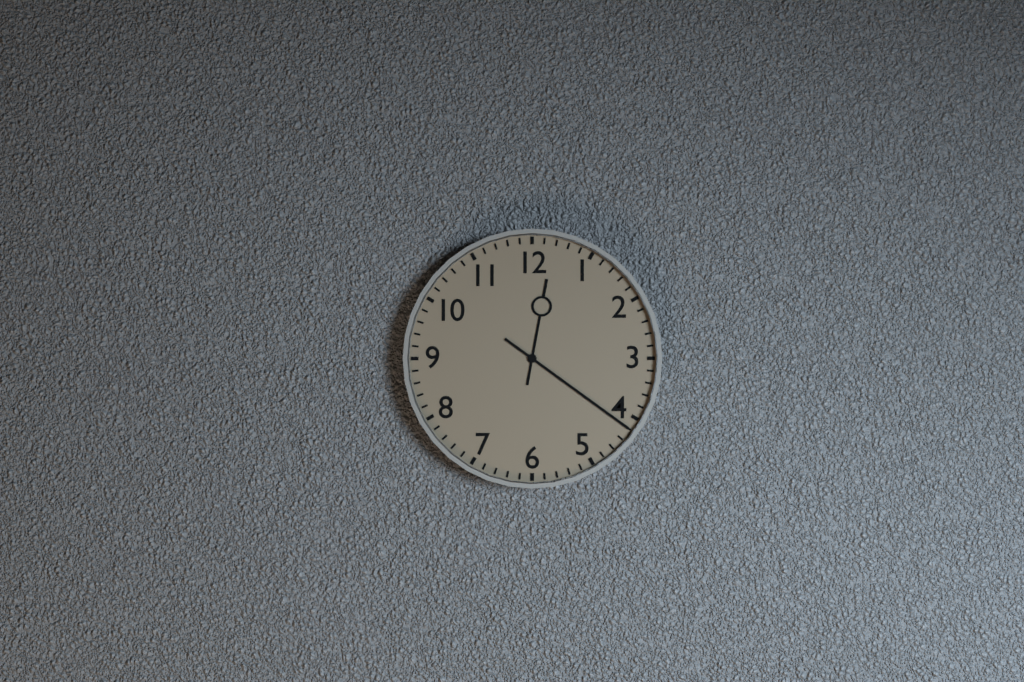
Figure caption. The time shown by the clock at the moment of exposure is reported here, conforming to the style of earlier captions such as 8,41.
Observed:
12,21
